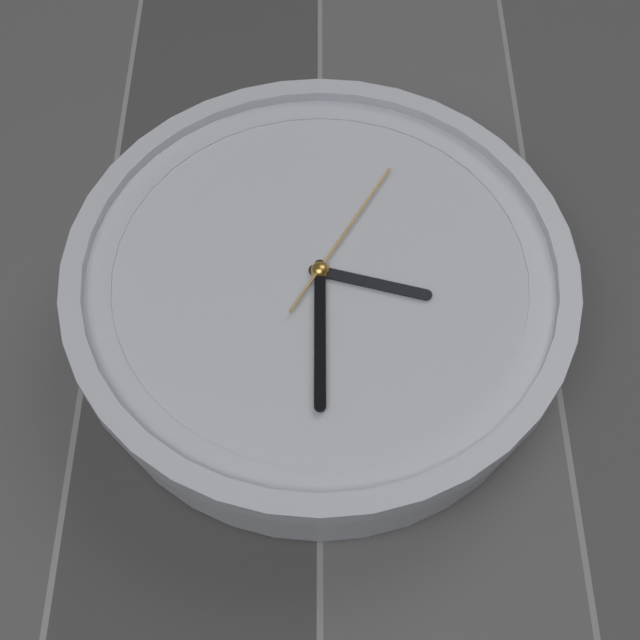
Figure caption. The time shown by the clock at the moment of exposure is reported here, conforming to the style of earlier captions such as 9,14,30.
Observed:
3,30,05
